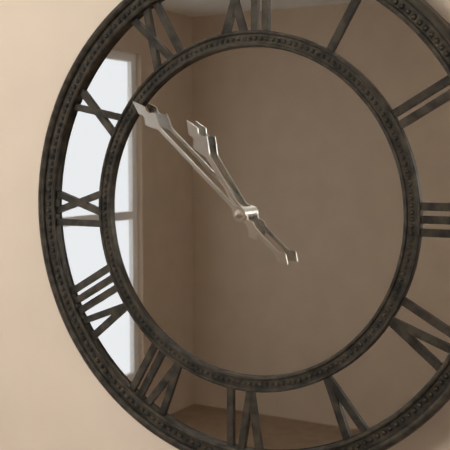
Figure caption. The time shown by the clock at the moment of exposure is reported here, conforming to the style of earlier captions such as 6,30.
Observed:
10,52
